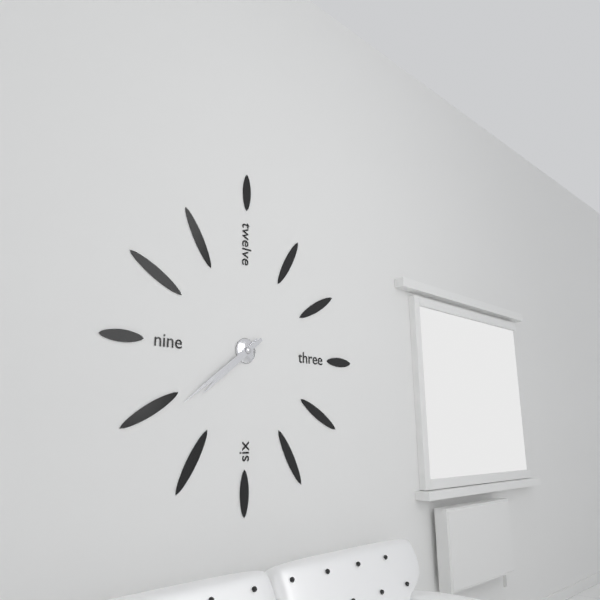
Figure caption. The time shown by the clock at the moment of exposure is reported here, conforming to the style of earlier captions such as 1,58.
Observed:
7,39
